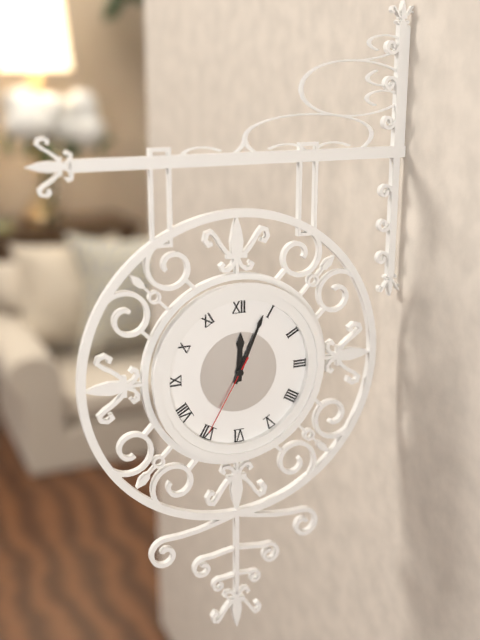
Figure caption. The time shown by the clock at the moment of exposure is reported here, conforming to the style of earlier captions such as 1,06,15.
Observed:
12,04,35
